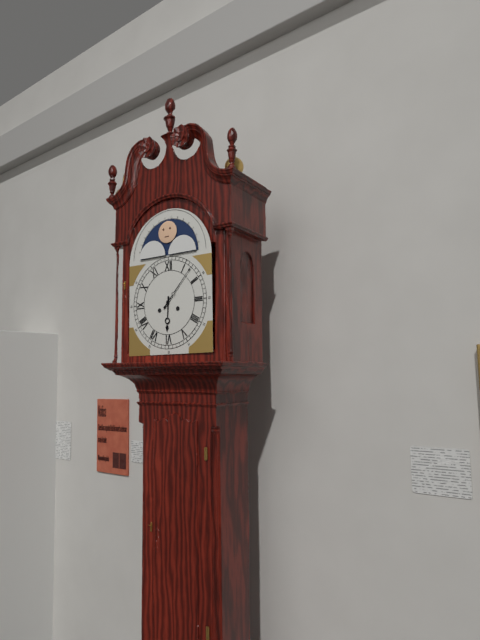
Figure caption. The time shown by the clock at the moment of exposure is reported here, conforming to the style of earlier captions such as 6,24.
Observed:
6,07
